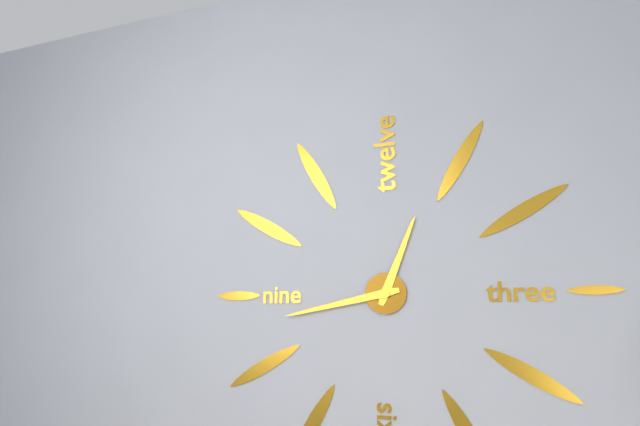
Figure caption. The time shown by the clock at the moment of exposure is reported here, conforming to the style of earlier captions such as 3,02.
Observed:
12,43
